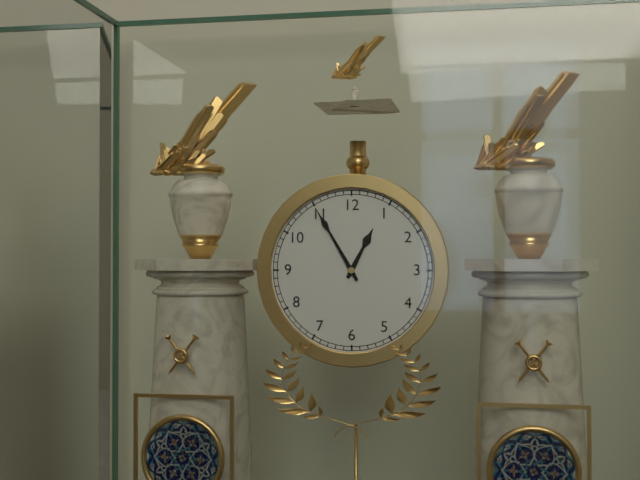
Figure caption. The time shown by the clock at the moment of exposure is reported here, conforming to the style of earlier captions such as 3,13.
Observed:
12,55
